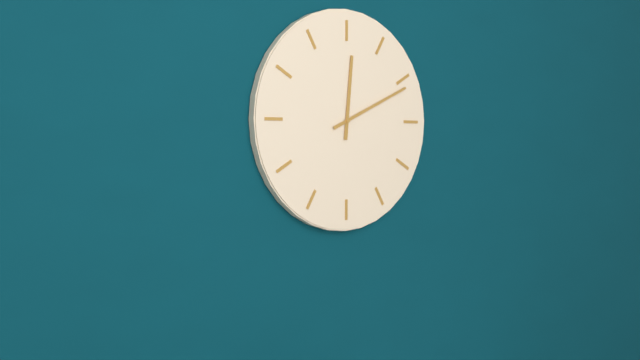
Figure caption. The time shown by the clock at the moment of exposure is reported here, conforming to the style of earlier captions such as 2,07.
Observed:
12,11
